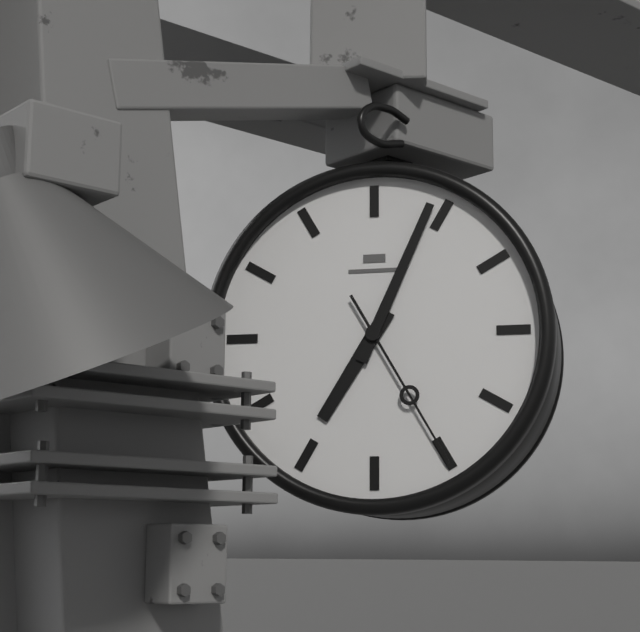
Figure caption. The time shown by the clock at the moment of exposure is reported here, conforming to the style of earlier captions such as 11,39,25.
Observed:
7,04,25
